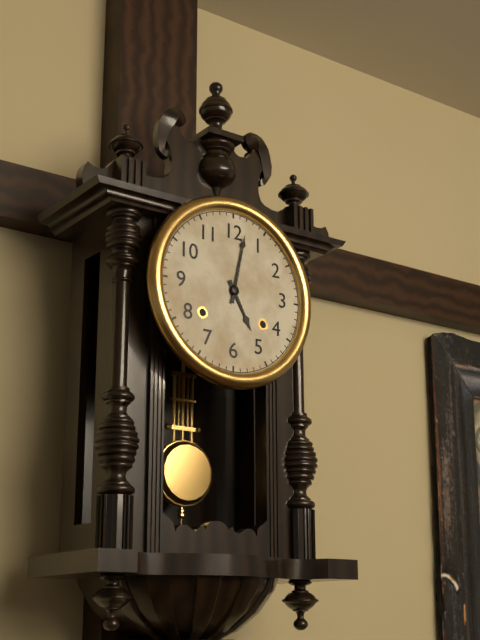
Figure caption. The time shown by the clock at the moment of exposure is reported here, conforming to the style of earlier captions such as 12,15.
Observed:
5,02
